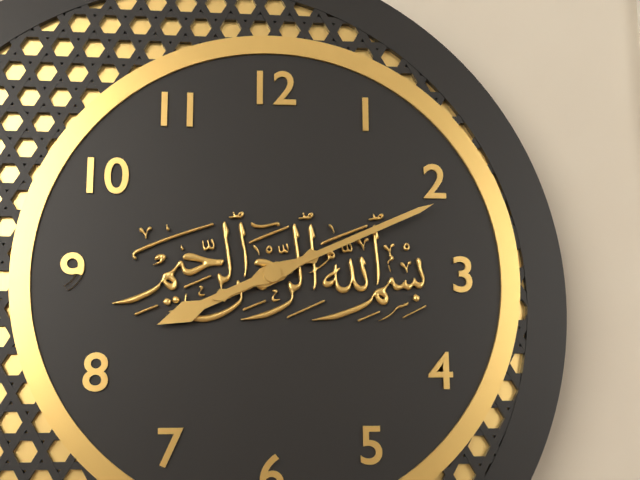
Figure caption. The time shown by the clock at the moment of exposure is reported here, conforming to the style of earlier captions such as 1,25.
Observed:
8,11
